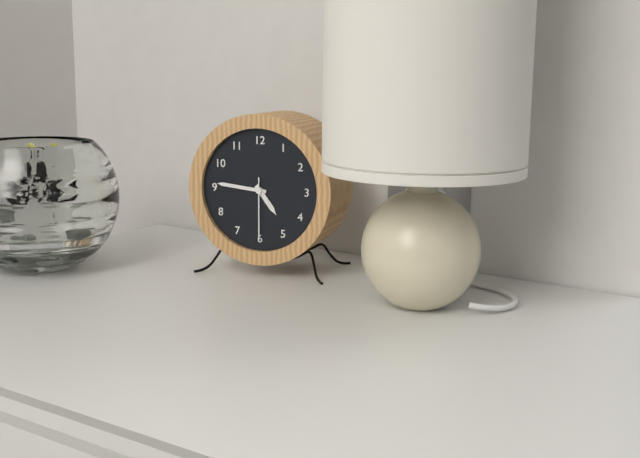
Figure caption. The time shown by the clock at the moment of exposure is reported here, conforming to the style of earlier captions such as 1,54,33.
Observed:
4,46,30
